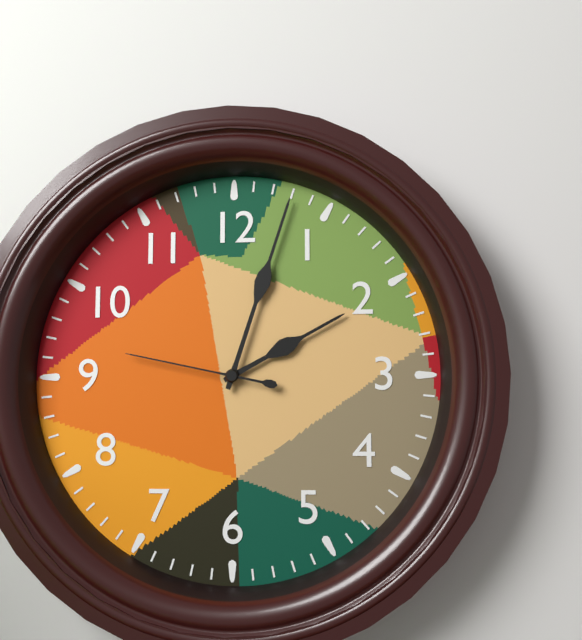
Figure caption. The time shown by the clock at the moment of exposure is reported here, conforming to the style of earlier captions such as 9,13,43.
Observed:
2,03,47
